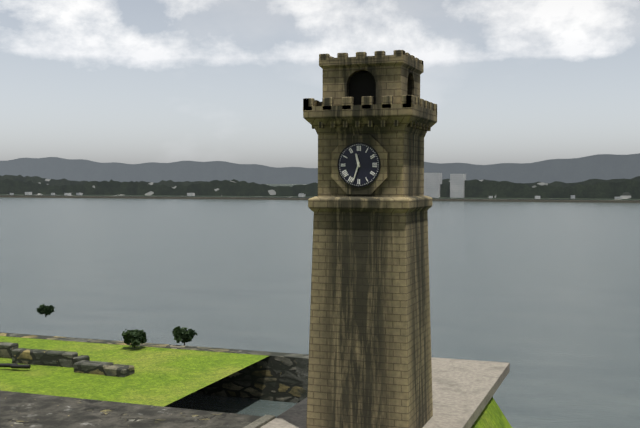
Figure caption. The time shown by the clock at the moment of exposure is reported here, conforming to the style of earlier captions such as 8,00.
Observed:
11,33
